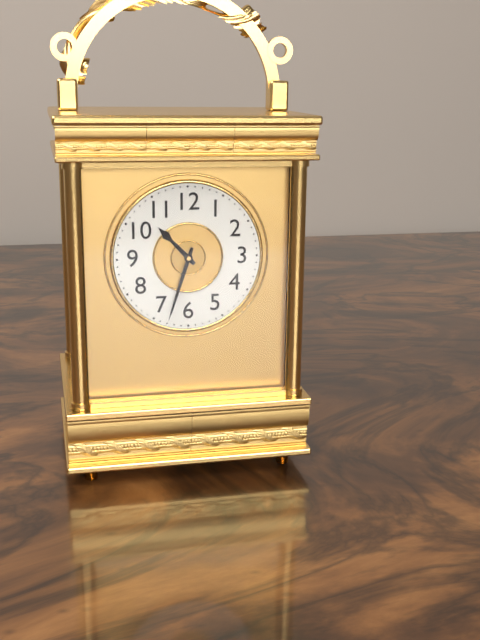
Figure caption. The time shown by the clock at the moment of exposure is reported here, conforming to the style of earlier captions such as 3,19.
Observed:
10,33
